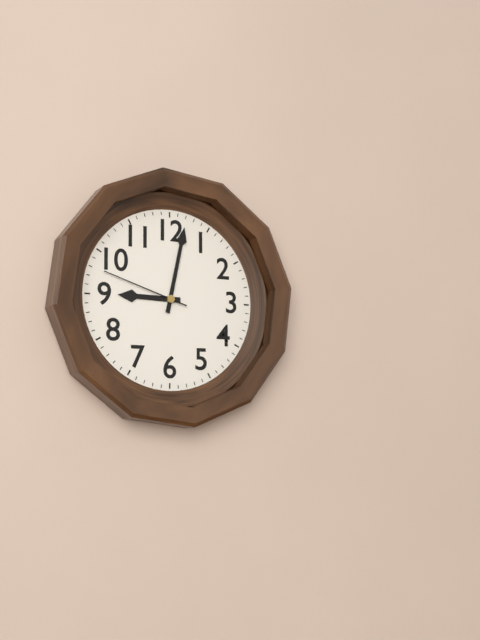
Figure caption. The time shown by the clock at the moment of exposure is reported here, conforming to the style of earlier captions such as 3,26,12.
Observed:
9,02,48
